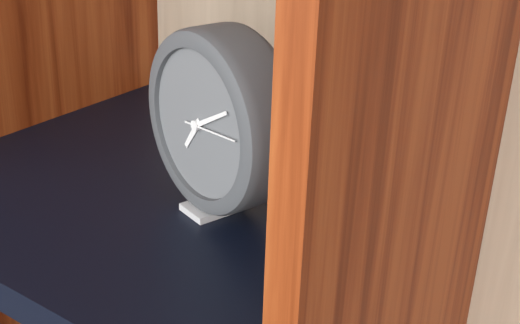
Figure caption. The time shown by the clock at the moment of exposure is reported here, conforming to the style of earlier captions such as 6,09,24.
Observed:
7,10,14
